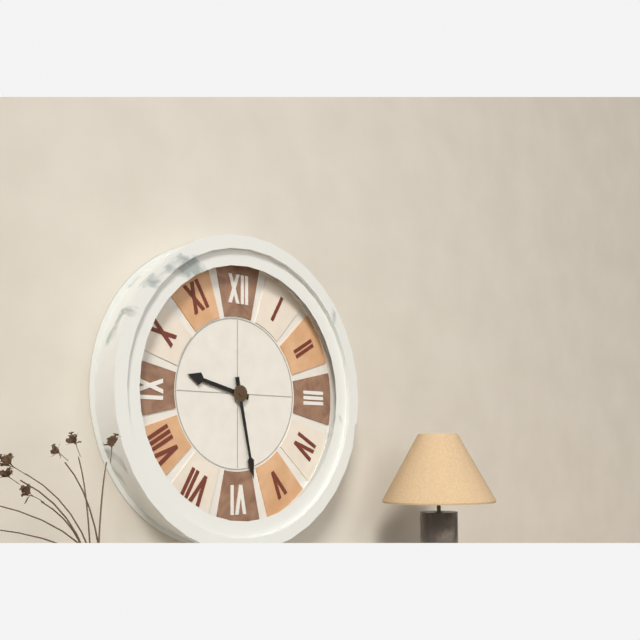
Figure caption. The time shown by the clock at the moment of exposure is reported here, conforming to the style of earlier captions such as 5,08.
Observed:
9,28
